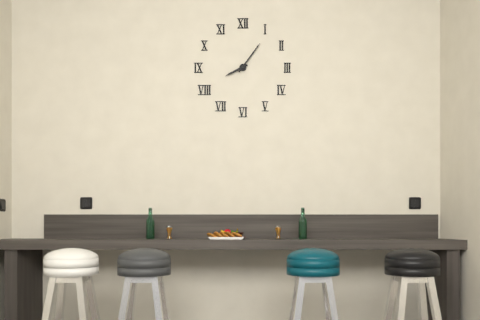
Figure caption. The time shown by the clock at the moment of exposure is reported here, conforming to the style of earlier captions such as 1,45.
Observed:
8,06
